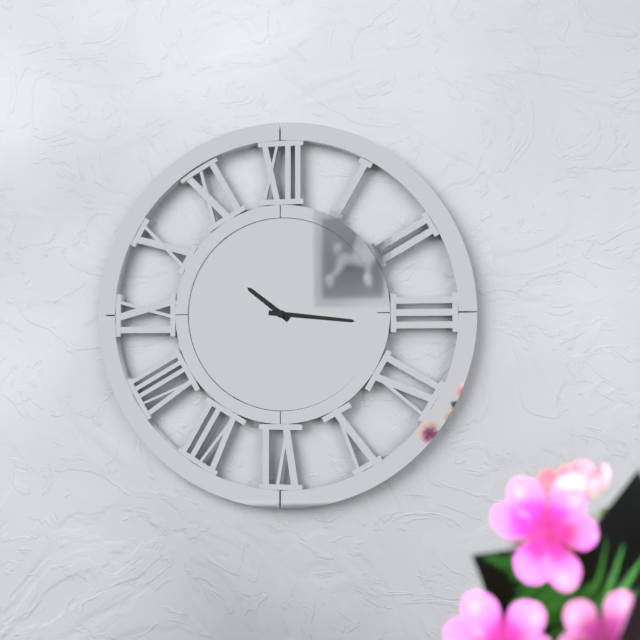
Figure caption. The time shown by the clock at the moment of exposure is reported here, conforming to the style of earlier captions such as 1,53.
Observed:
10,16
